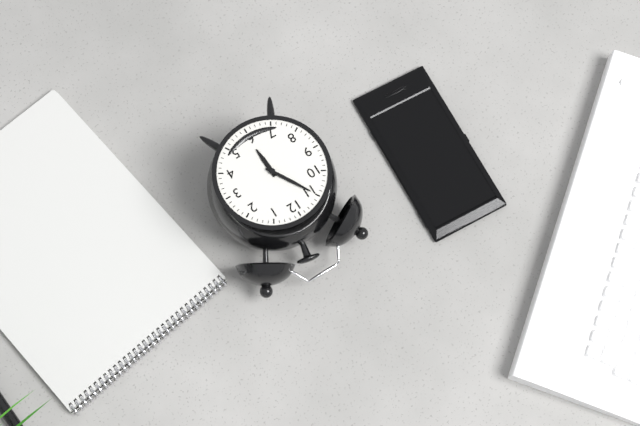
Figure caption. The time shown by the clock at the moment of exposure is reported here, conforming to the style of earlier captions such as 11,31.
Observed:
5,55
